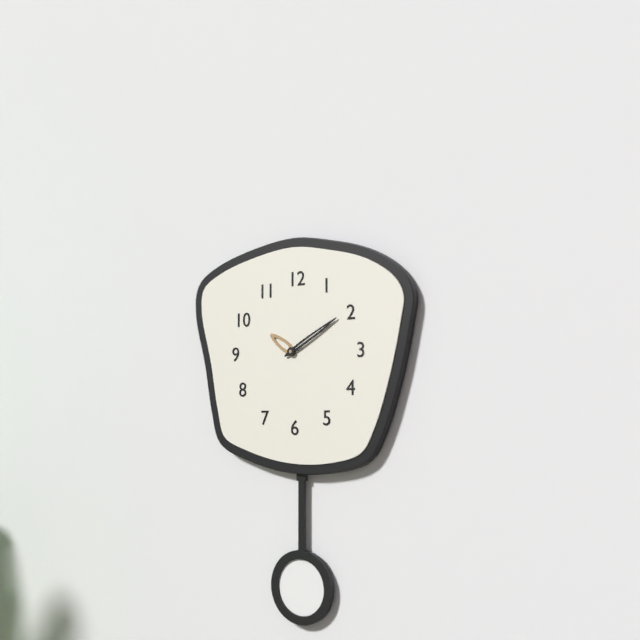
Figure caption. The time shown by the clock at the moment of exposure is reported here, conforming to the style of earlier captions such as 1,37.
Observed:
10,10
